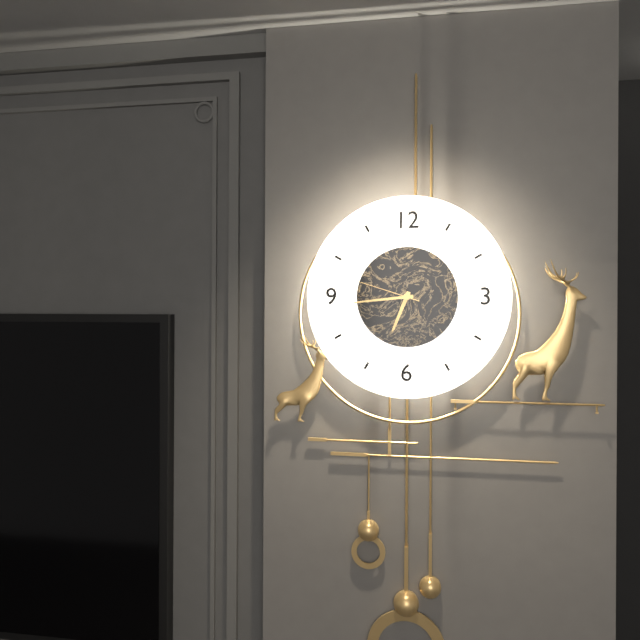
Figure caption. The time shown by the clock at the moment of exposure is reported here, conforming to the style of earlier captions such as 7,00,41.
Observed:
6,44,48
